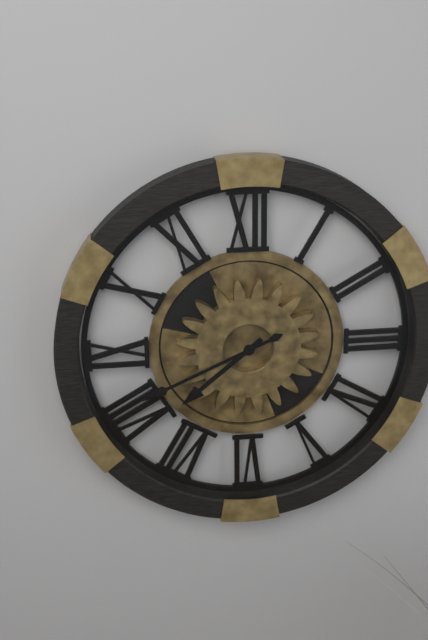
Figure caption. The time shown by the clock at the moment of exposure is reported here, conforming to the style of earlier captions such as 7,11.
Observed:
7,41
